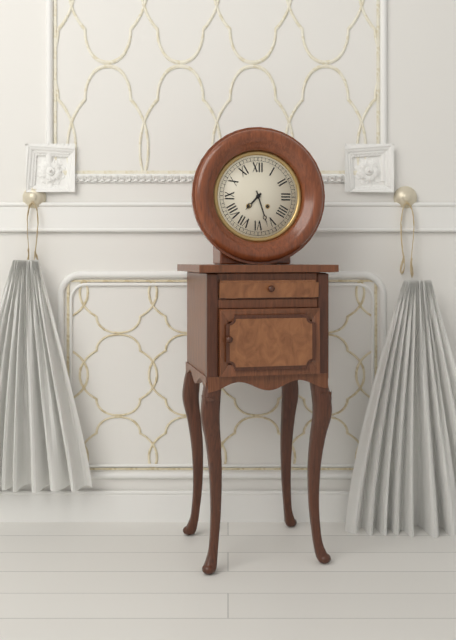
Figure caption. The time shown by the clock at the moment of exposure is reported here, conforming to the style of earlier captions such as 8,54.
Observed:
7,27
